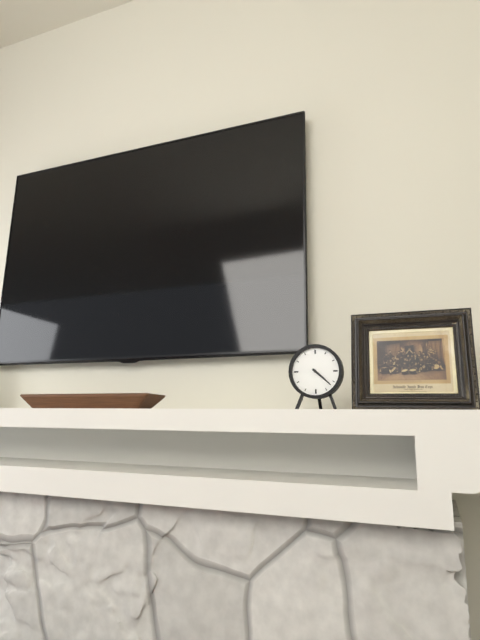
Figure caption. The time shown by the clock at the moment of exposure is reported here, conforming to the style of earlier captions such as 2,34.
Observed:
4,22
